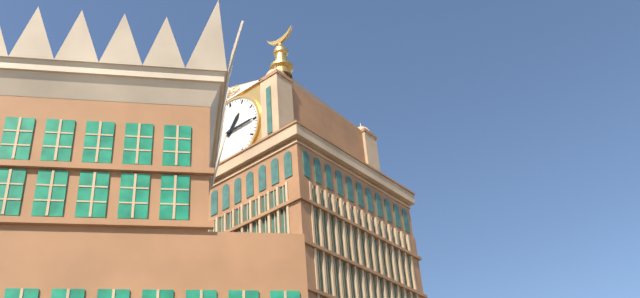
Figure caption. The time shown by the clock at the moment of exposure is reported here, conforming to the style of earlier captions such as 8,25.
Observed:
1,15
